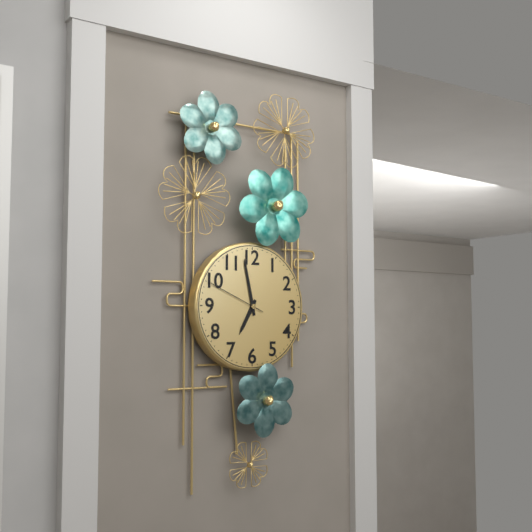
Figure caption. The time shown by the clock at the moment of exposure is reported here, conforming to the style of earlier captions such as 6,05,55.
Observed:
6,58,49
